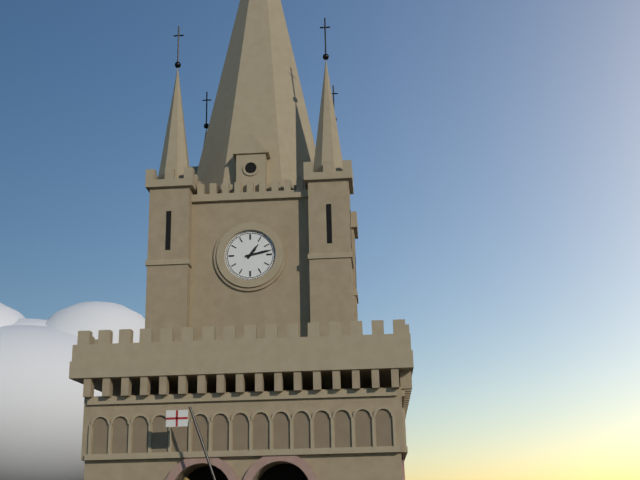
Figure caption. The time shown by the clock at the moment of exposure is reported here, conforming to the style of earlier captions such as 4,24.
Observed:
1,13
